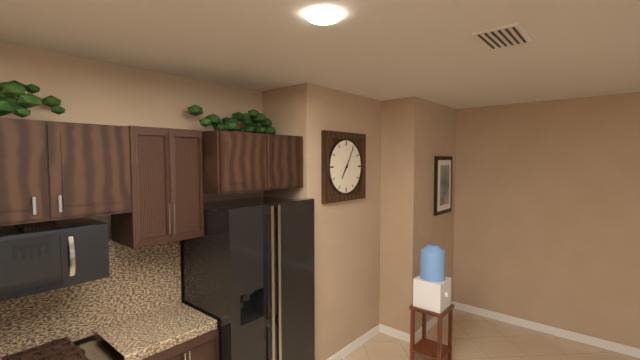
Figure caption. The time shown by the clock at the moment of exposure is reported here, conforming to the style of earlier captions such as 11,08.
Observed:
7,05
